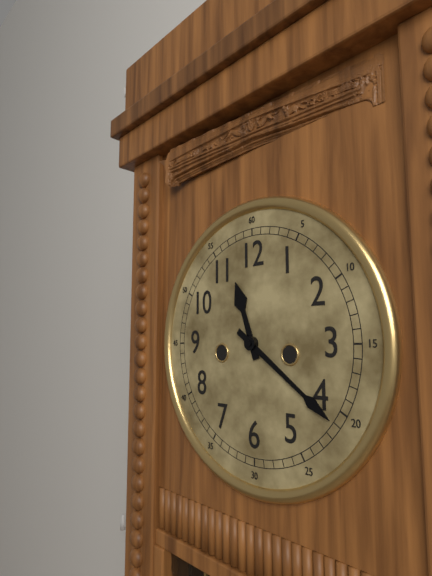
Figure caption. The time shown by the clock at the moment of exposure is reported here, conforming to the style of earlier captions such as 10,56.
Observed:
11,21
